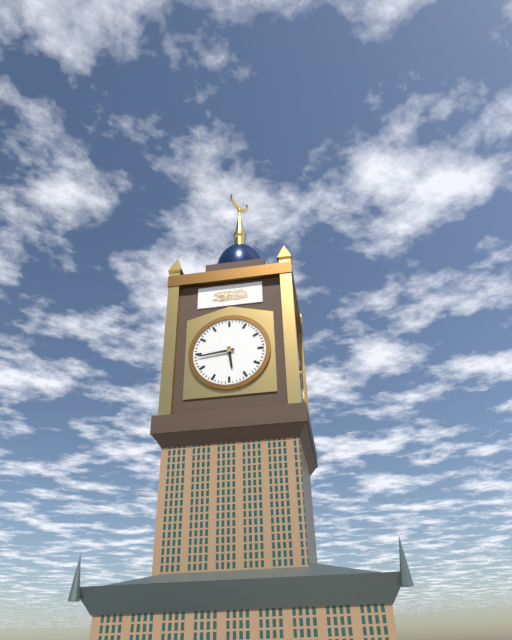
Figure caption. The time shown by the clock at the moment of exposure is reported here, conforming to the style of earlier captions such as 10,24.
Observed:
5,44
